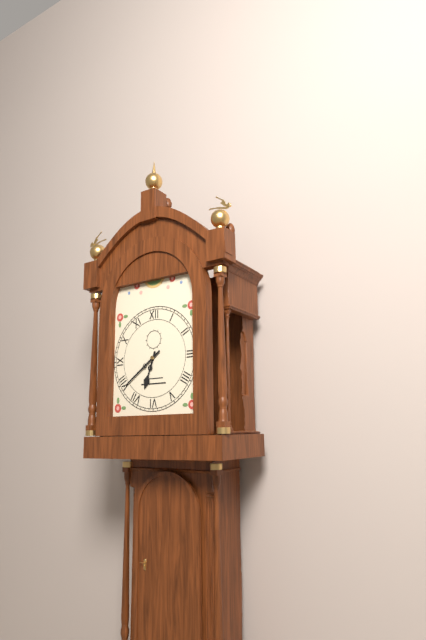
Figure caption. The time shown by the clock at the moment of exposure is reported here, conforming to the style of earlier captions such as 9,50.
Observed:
6,39
